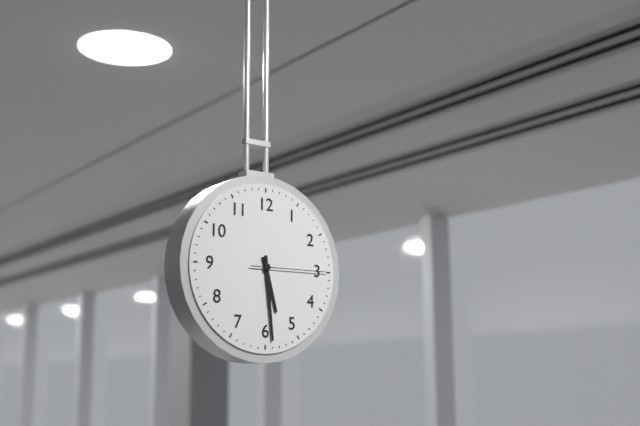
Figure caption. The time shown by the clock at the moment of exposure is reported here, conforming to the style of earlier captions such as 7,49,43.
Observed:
5,29,15
